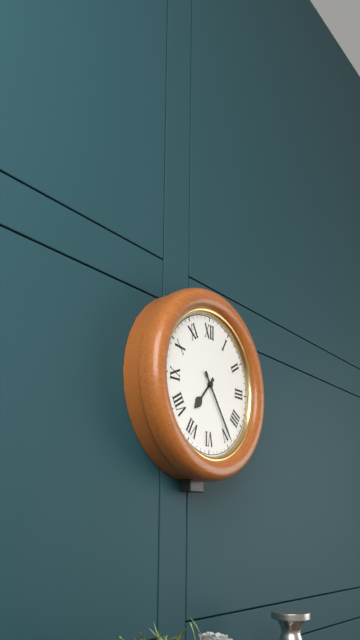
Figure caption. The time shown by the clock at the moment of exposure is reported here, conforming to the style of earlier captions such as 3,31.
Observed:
7,24
